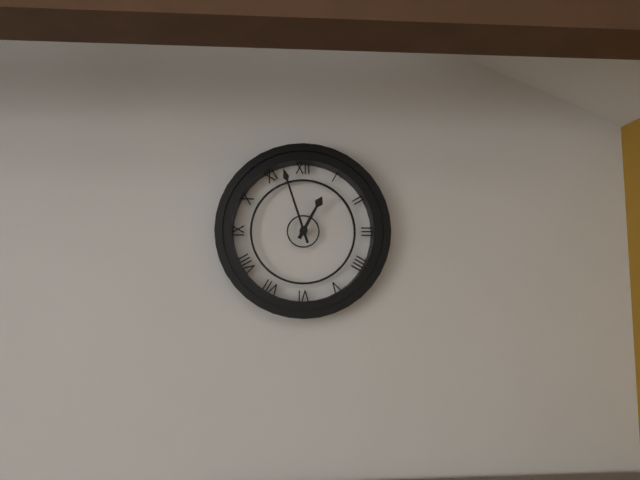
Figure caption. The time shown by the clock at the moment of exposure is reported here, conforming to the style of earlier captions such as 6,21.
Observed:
12,57
